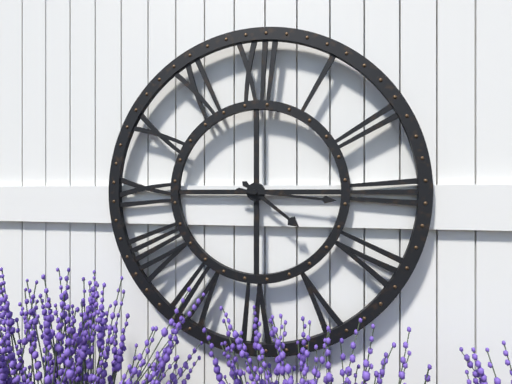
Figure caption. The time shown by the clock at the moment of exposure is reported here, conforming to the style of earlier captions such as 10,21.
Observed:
4,16
